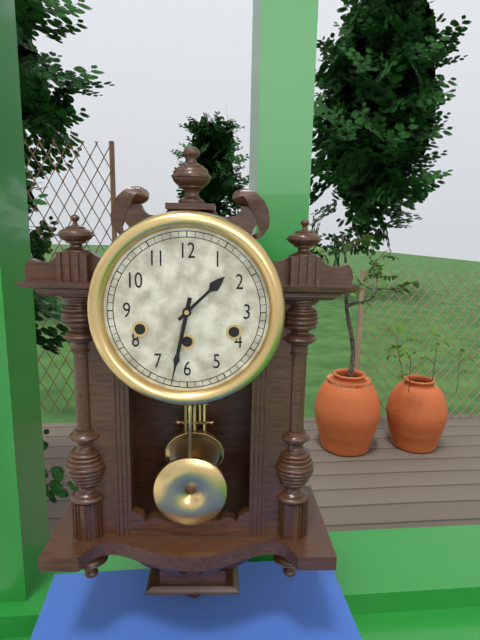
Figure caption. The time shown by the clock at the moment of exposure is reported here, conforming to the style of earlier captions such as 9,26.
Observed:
1,32
